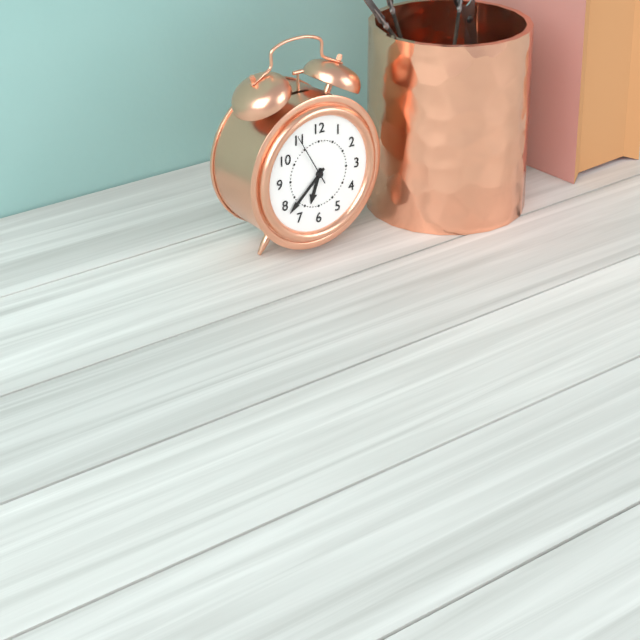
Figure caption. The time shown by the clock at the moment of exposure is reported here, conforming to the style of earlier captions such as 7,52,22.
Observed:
6,38,55
